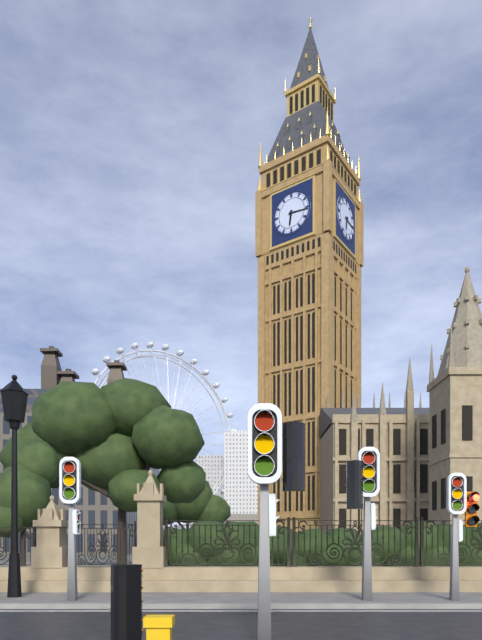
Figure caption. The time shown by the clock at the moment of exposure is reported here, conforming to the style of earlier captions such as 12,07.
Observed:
6,16
